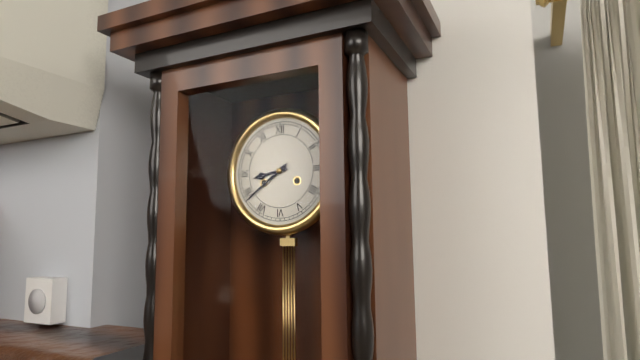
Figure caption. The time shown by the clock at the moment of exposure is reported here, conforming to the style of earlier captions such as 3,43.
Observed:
8,39
